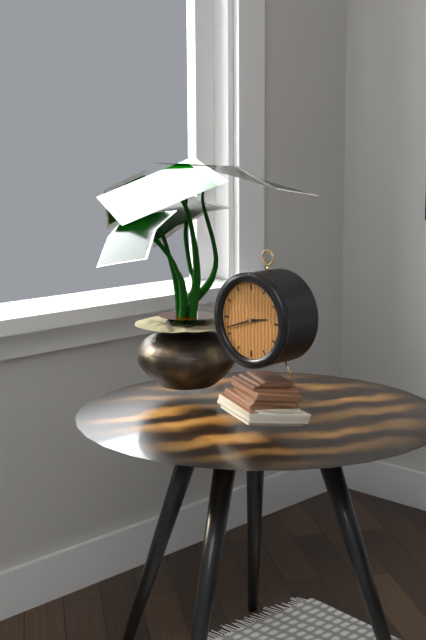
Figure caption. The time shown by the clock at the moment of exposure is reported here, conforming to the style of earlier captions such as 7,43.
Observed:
2,42
